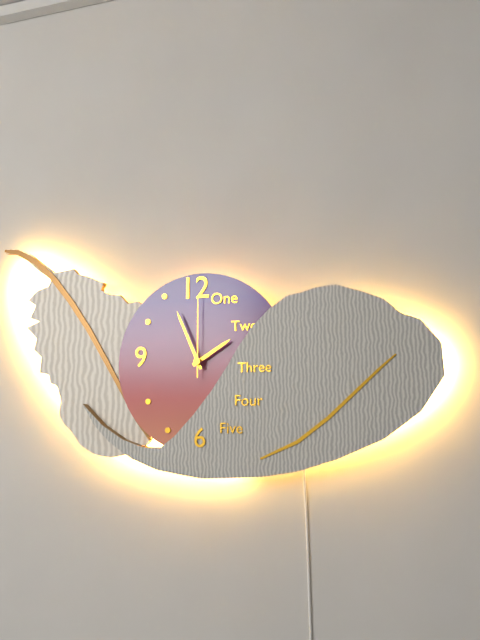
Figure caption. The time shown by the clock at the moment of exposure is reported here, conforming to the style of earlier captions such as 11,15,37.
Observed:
1,56,00
